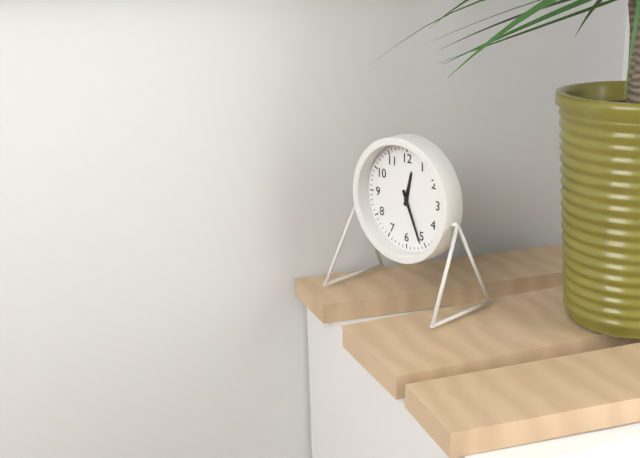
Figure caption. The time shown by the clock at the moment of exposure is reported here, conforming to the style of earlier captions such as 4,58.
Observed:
12,26
